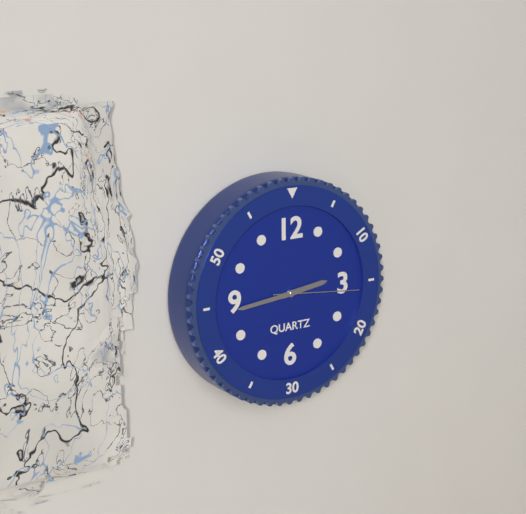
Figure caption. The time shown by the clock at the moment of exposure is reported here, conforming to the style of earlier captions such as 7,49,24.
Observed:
2,44,16
